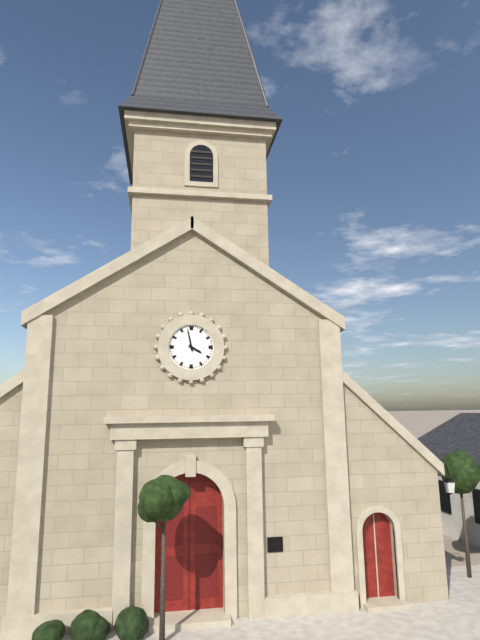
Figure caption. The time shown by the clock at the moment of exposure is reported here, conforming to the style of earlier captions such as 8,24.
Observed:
3,58
